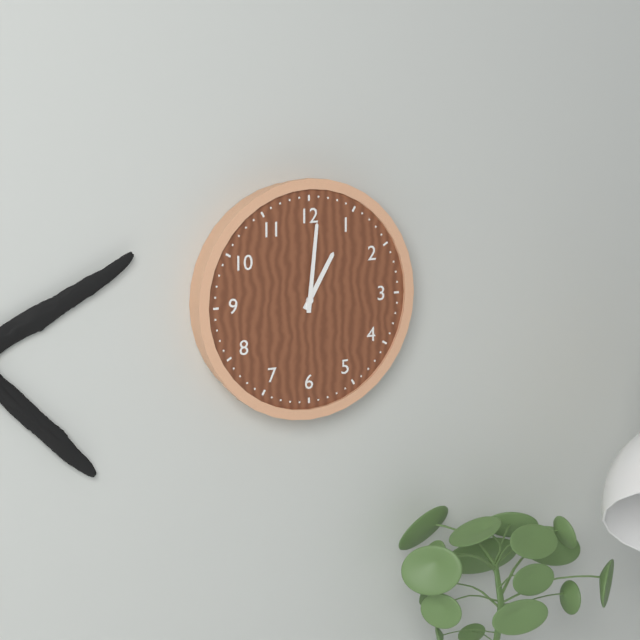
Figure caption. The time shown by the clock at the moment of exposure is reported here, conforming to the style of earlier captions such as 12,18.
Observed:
1,01
